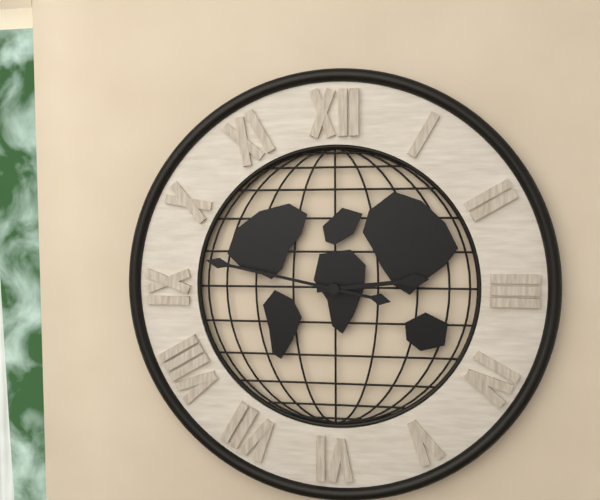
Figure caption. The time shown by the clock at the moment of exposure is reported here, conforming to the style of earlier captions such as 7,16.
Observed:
2,47
